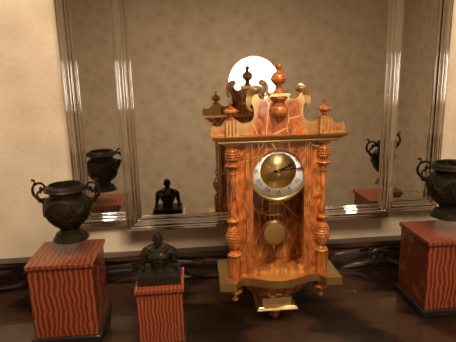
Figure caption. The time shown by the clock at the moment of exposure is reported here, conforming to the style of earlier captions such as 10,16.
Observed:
2,14
